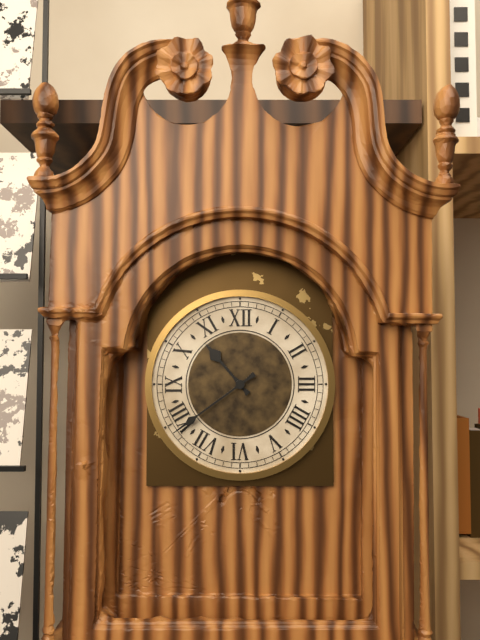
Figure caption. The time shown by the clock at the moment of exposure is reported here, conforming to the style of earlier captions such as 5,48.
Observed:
10,39
